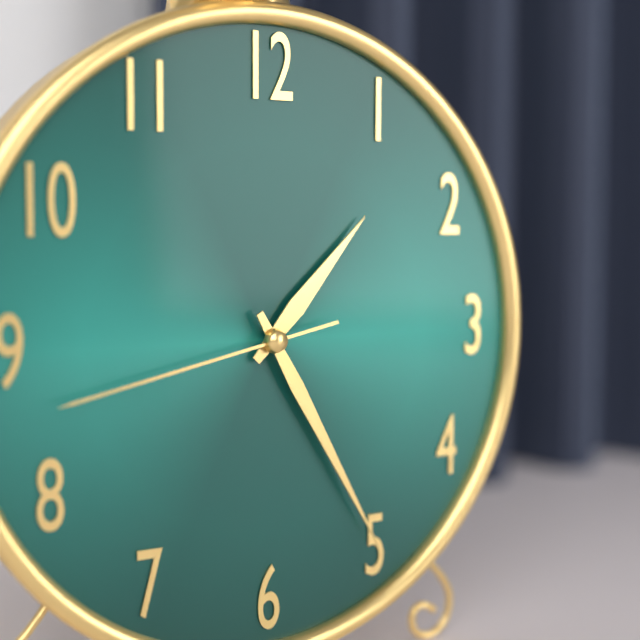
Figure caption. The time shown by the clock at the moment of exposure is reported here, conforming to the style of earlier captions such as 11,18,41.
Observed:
1,25,43
